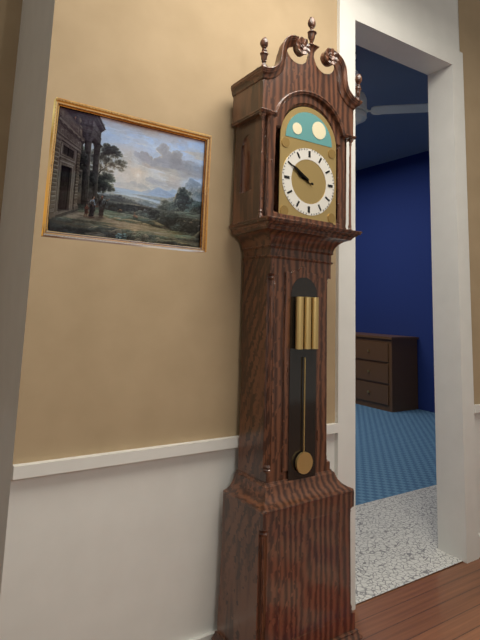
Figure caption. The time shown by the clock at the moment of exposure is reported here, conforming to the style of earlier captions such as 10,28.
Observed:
9,50
